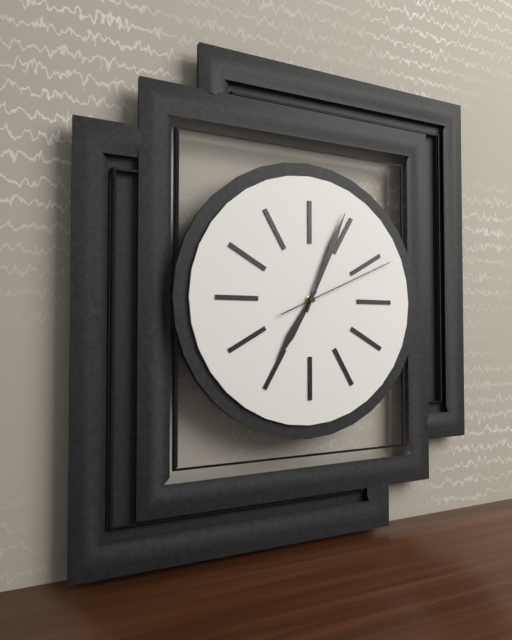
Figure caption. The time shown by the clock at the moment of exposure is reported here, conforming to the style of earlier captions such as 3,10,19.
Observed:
7,04,11
